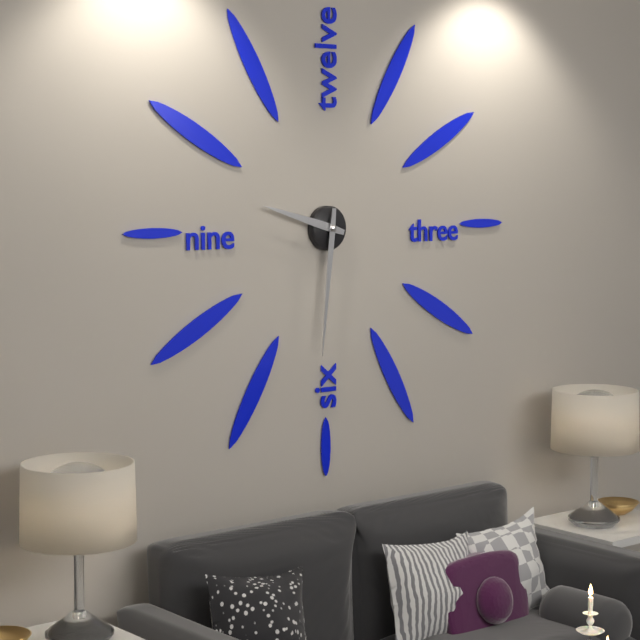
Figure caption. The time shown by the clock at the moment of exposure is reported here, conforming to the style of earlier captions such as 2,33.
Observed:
9,31
